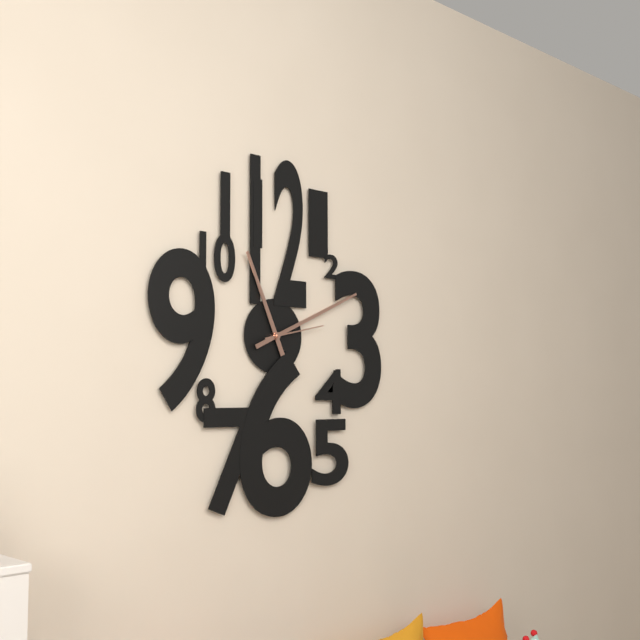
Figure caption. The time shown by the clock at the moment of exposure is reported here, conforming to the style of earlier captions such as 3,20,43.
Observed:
11,11,13
